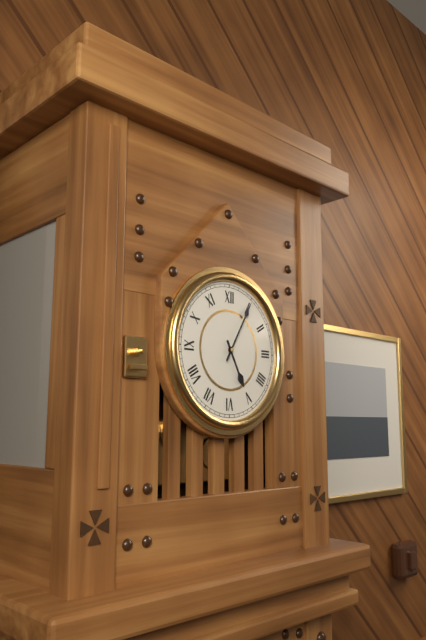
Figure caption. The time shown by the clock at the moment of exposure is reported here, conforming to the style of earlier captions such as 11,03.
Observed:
5,05
